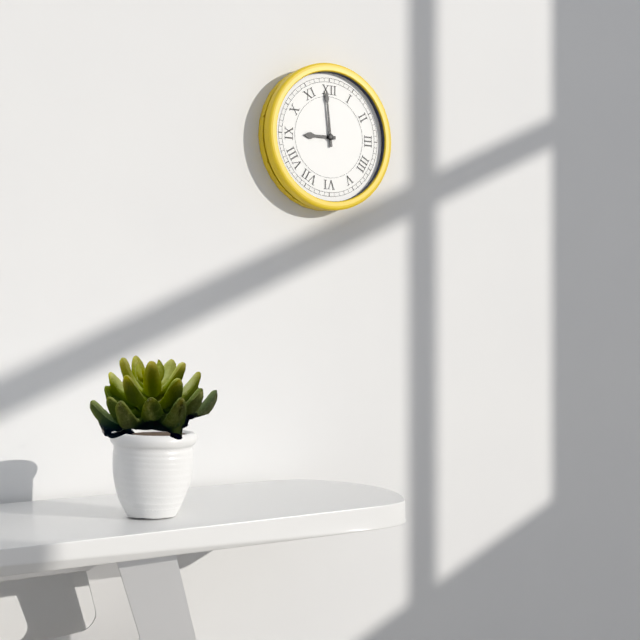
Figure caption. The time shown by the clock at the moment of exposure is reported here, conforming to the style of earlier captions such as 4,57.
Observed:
8,59
